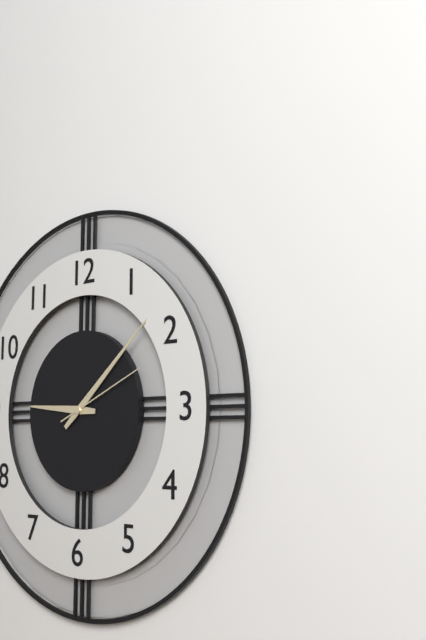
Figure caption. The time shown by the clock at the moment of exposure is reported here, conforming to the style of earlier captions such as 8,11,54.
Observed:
9,08,11
